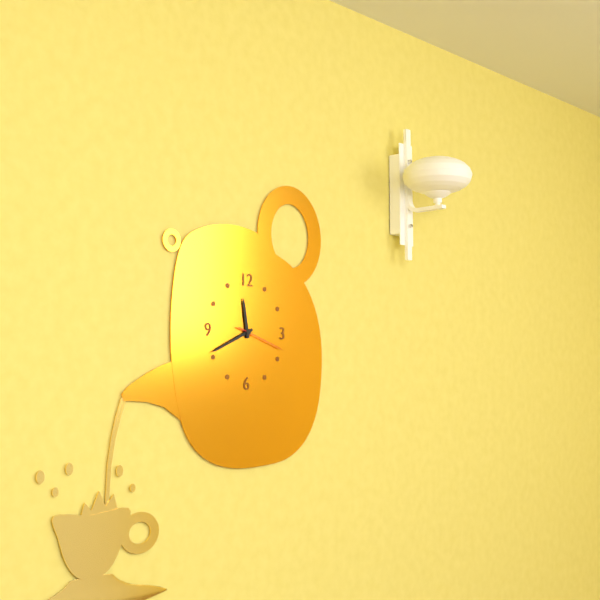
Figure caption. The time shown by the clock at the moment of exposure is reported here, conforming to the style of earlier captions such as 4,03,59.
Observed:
11,41,18
